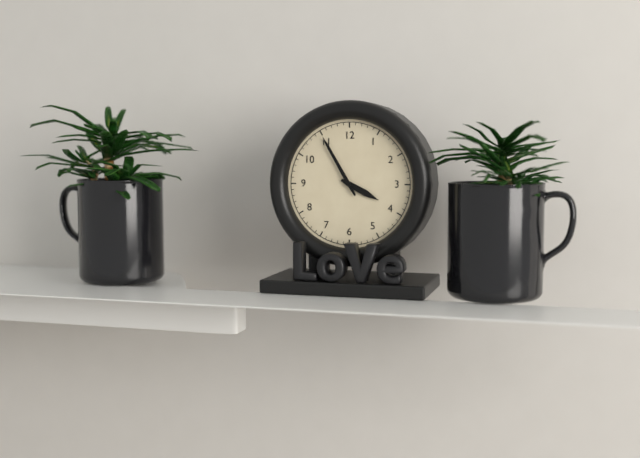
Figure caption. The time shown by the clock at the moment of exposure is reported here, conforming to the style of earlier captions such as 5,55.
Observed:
3,55
